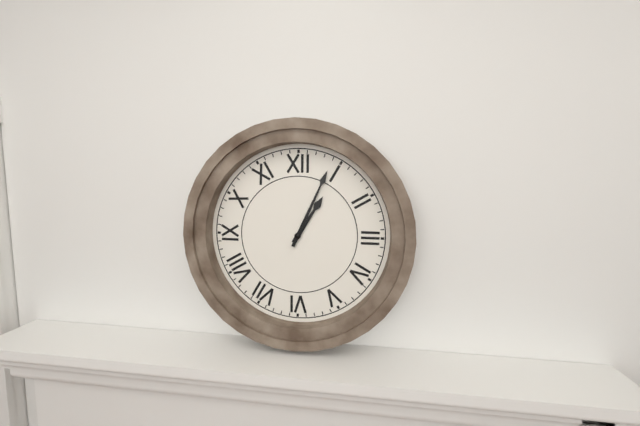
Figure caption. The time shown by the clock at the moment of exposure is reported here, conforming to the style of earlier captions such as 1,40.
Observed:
1,04
